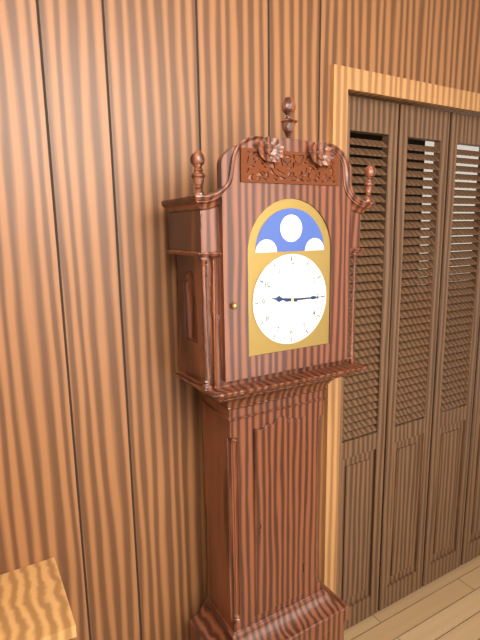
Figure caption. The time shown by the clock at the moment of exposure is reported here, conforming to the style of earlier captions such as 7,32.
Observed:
9,15
